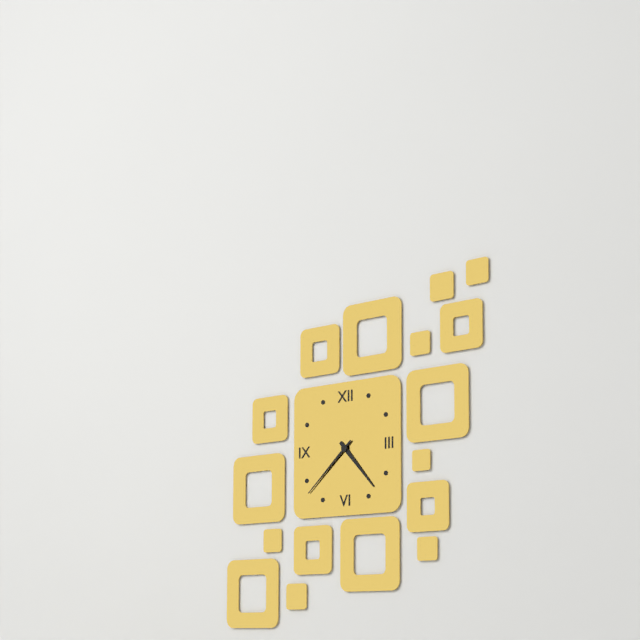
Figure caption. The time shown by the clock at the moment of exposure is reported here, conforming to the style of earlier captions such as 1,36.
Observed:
4,38
